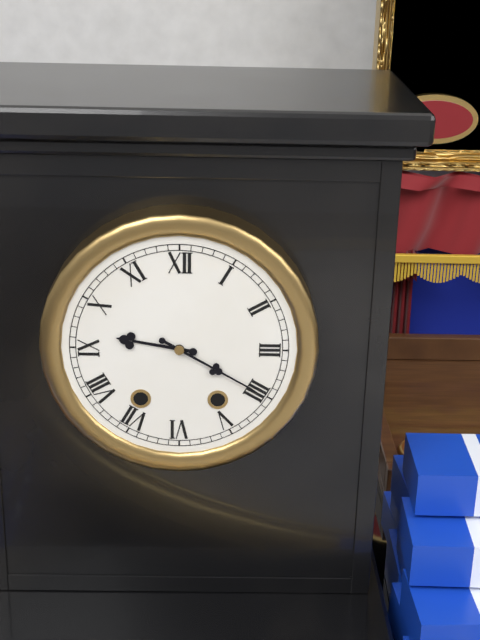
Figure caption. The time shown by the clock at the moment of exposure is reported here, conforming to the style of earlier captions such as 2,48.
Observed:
9,20
